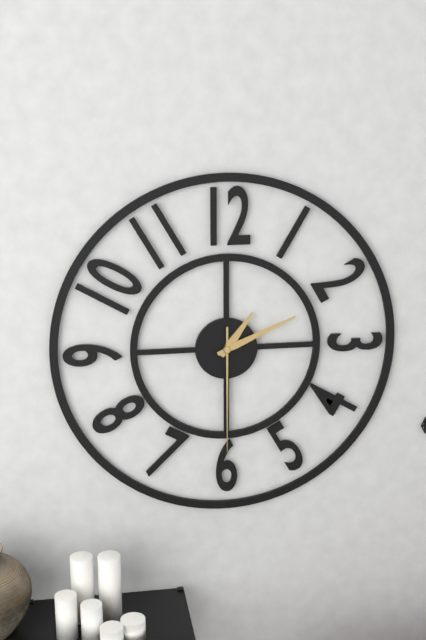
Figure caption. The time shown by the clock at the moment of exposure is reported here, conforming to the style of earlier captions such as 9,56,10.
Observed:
1,11,30
